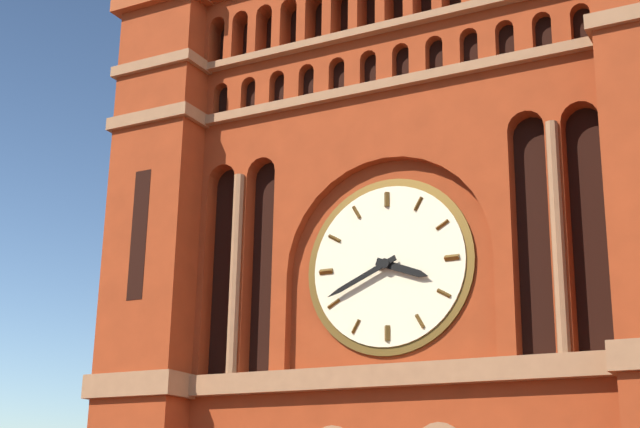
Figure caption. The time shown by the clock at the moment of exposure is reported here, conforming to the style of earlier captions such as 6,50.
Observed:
3,41
